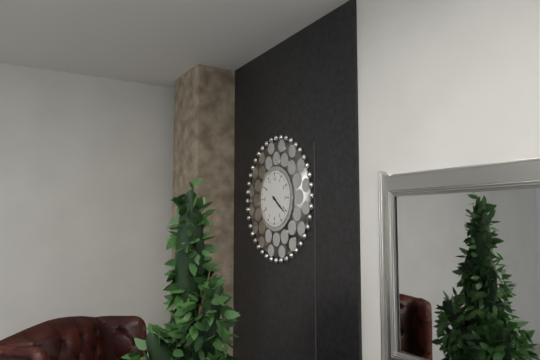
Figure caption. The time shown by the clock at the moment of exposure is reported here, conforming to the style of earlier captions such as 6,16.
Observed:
4,21
